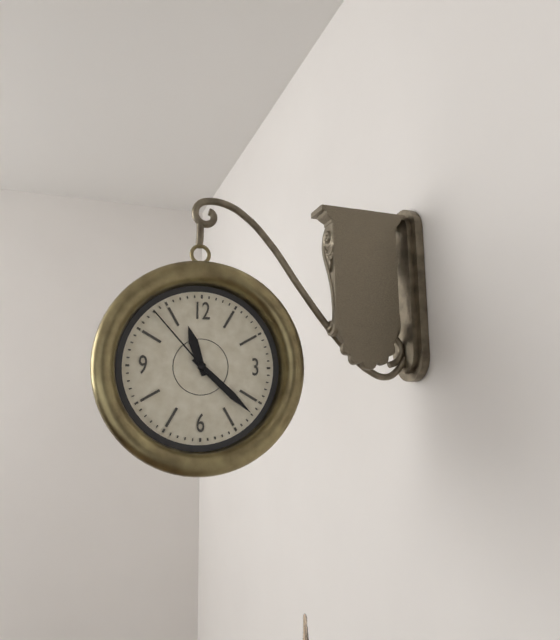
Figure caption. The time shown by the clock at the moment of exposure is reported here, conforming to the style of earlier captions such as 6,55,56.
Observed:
11,22,53
